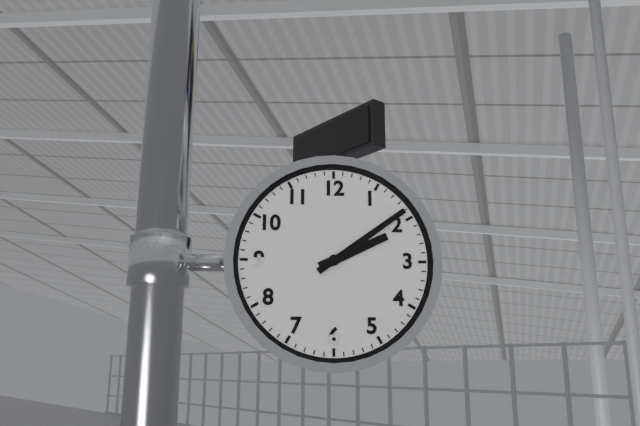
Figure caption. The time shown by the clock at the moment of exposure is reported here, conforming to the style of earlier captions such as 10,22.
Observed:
2,09
